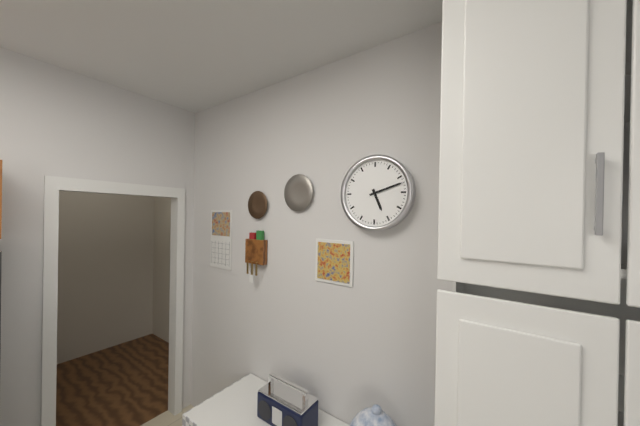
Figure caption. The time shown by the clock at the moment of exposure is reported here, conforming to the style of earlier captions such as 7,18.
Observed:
5,12
